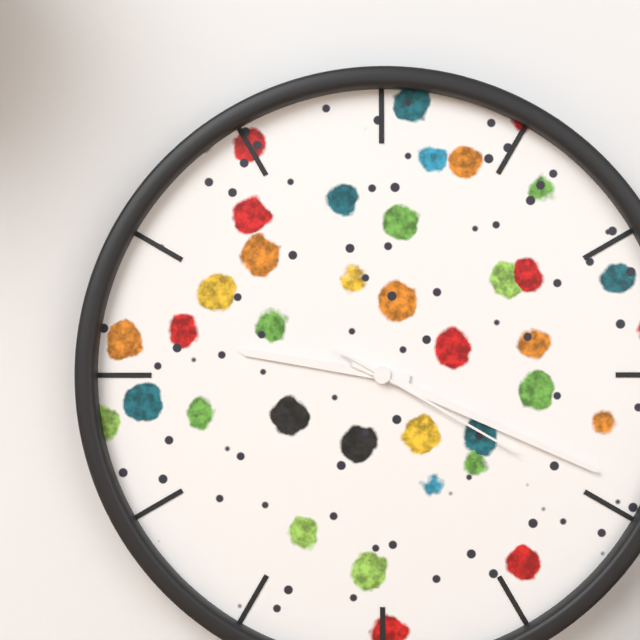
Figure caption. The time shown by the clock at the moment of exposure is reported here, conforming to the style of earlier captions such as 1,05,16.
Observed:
9,19,20
